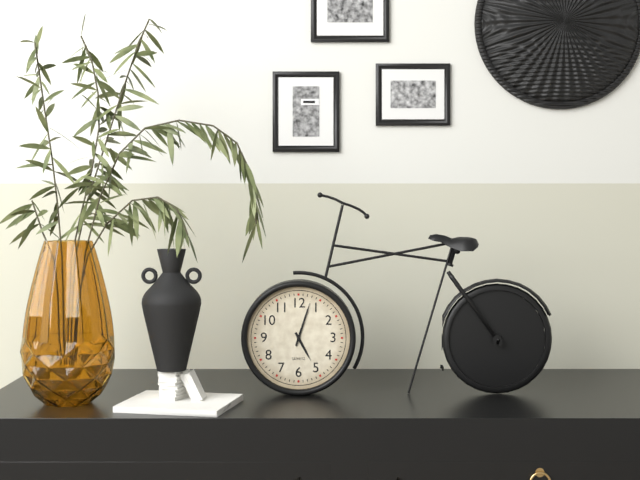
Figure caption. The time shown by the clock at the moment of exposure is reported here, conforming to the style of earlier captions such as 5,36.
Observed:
5,03
